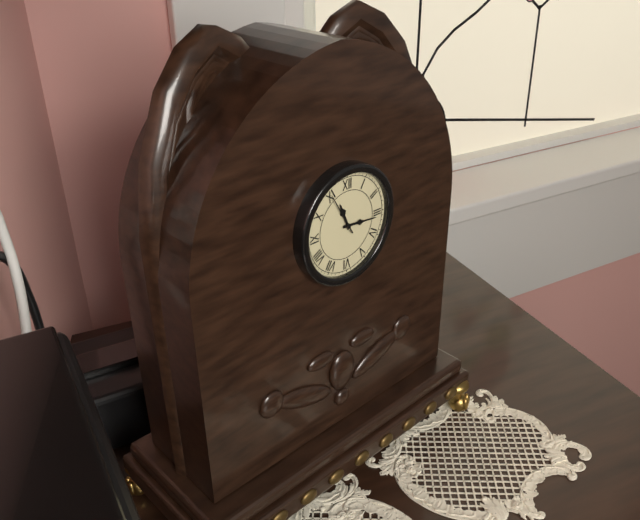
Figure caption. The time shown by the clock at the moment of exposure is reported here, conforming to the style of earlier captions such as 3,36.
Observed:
11,16
